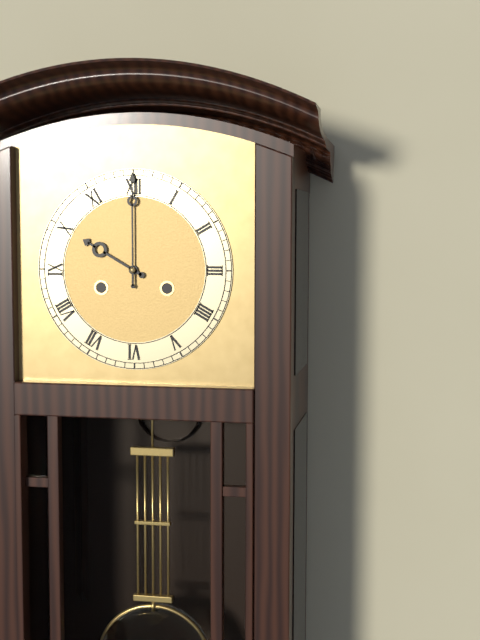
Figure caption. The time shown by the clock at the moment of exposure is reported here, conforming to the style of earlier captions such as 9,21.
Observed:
10,00
